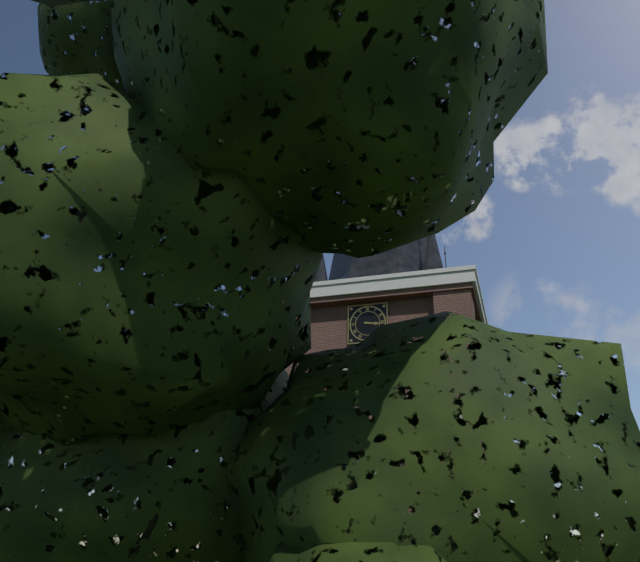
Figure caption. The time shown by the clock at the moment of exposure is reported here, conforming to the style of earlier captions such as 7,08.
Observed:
3,16
